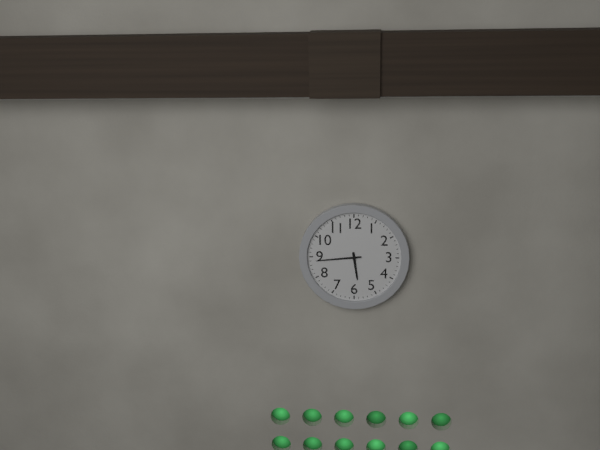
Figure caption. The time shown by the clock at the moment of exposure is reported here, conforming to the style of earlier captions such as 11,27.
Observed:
5,44
